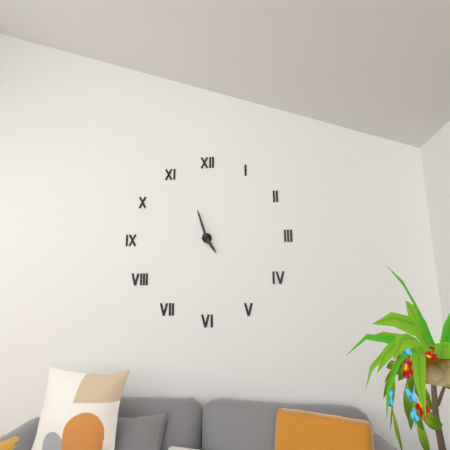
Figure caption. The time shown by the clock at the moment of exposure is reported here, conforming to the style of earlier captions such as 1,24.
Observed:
4,57
